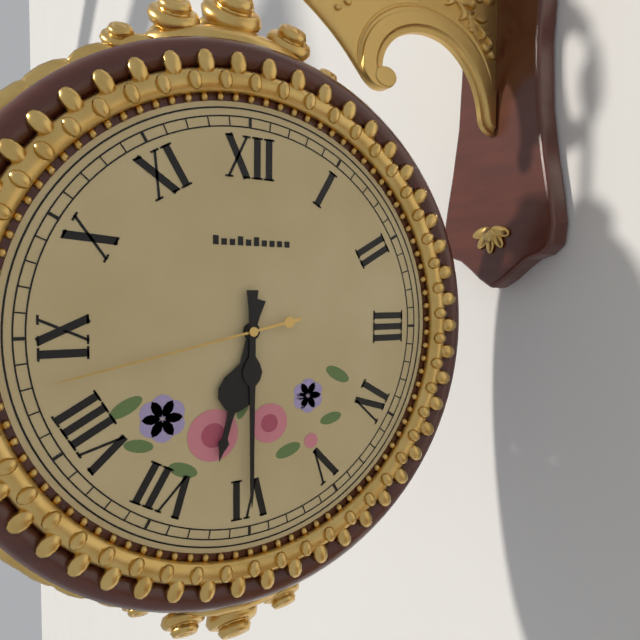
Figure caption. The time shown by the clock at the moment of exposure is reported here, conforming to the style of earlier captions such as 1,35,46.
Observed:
6,30,43
